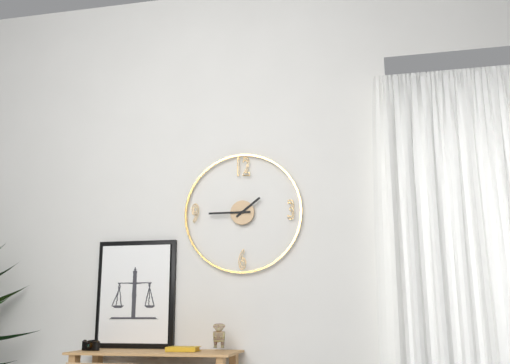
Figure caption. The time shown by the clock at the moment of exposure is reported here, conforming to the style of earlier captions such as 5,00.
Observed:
1,45
